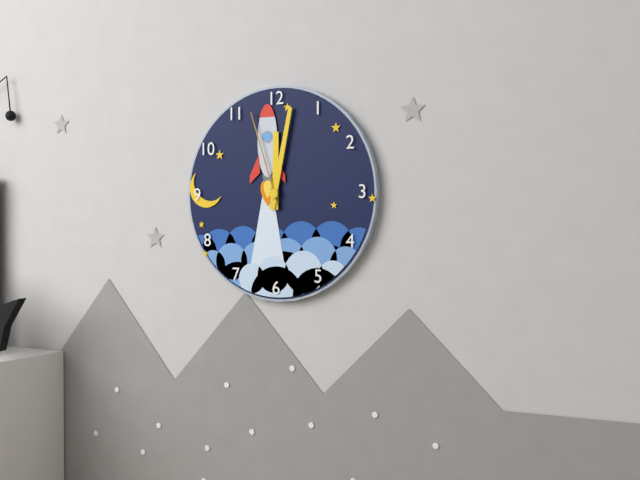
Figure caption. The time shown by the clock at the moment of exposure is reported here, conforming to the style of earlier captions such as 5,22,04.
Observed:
12,02,57
